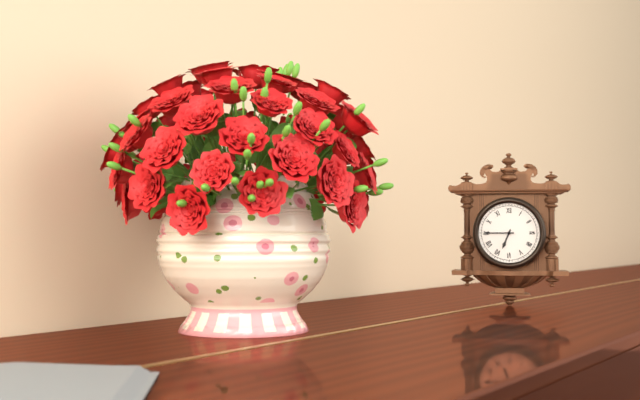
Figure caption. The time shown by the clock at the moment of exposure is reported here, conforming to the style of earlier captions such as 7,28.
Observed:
6,45
